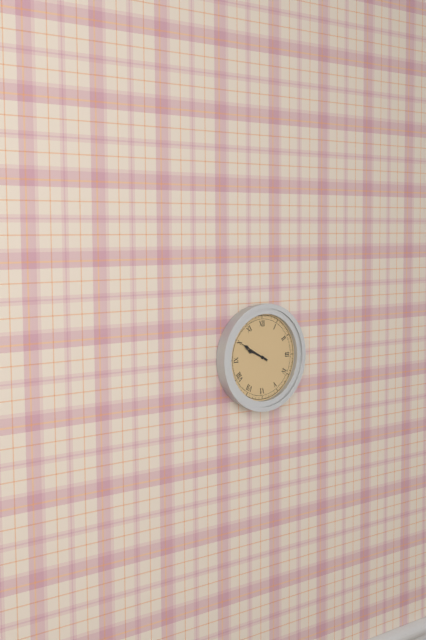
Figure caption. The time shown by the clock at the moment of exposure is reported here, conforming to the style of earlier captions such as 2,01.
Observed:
9,50
